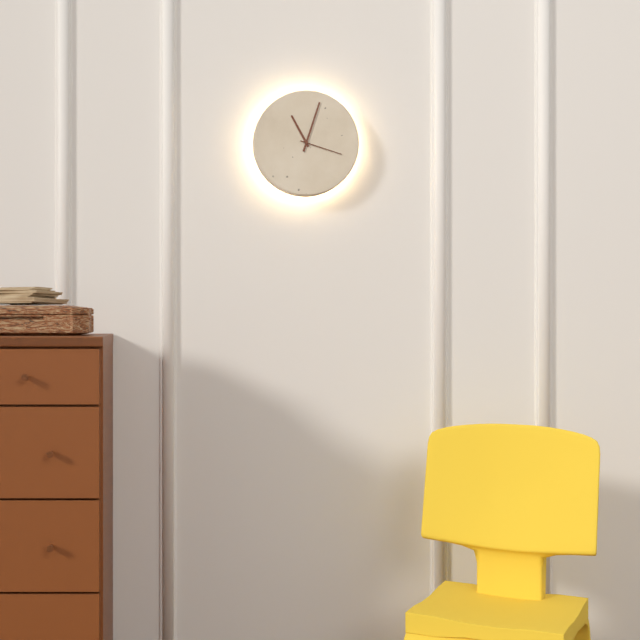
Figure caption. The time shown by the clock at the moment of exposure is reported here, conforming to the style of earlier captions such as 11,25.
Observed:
11,03
